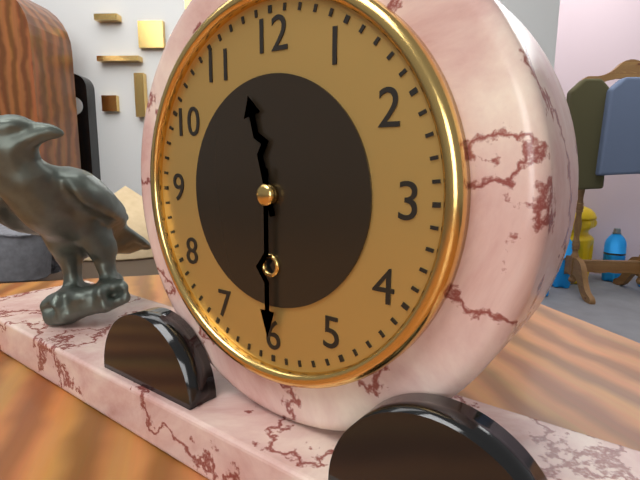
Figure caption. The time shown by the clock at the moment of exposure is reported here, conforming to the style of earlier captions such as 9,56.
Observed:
11,30
